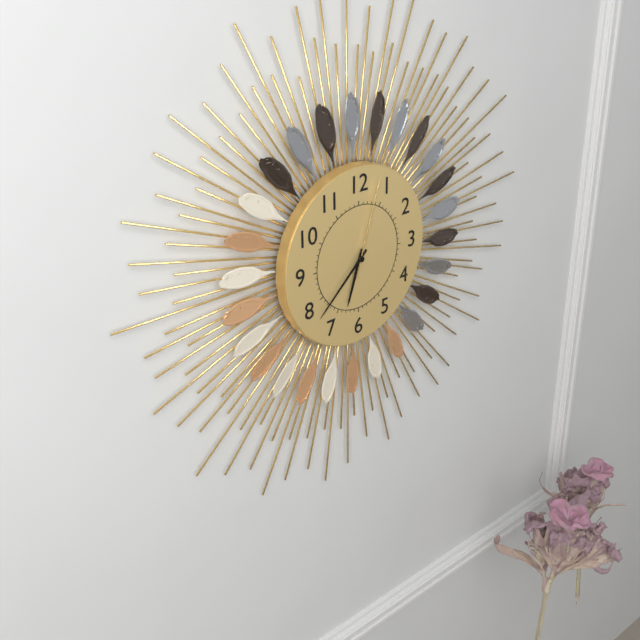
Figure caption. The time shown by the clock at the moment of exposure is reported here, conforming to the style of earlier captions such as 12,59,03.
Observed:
6,38,03
